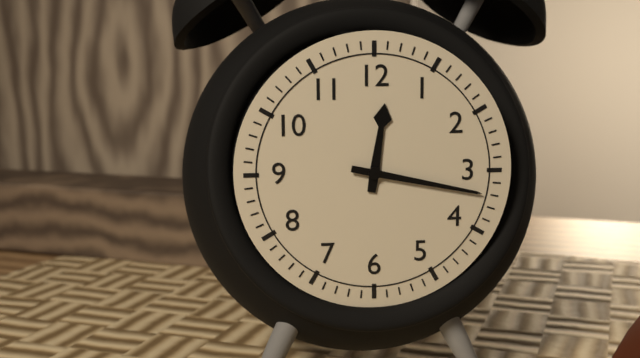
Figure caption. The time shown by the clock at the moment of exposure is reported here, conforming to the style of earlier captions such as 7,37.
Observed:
12,17
